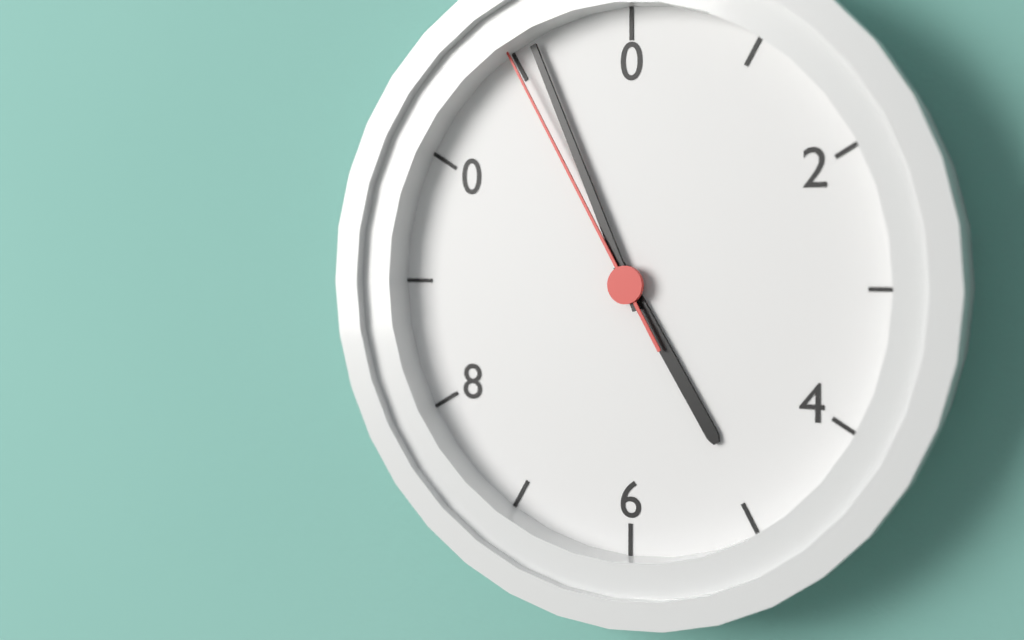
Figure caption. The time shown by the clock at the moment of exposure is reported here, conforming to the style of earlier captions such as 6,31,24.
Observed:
4,56,55
